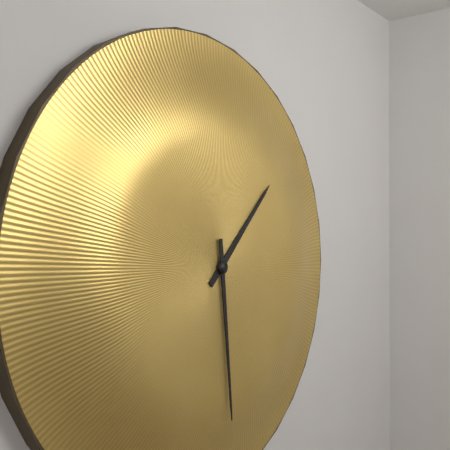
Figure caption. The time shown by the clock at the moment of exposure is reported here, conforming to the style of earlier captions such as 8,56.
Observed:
1,29
